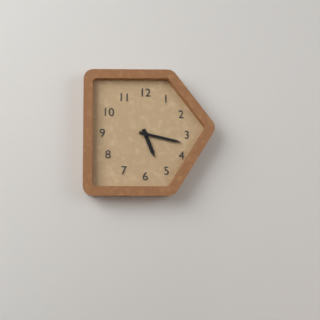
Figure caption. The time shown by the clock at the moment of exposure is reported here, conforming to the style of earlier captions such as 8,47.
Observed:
5,17
